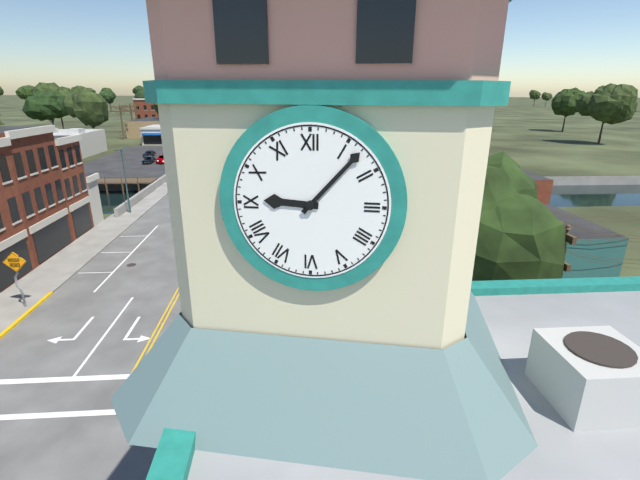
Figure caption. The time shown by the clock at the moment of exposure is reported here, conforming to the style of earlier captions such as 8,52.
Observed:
9,07
